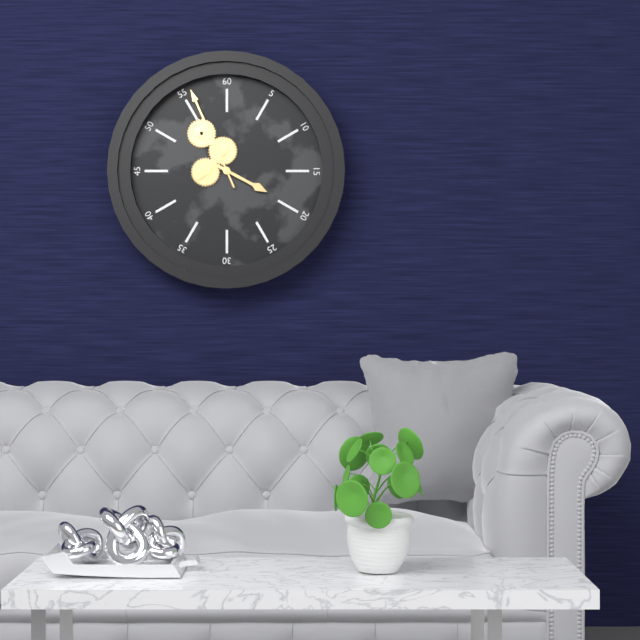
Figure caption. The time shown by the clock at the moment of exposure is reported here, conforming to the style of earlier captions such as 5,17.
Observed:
3,56
